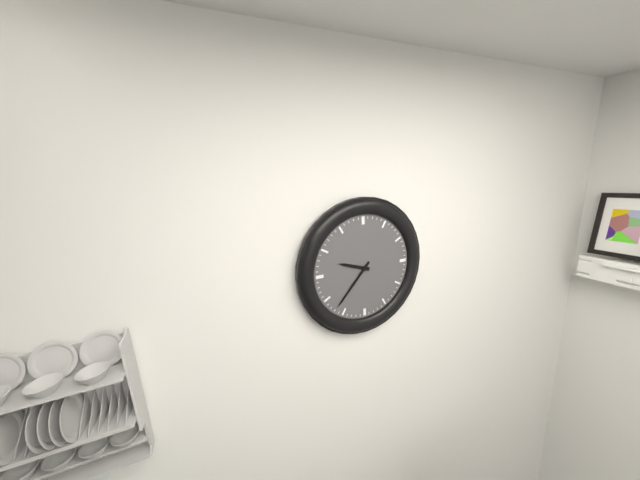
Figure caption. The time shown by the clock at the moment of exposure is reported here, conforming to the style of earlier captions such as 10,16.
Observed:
9,37
